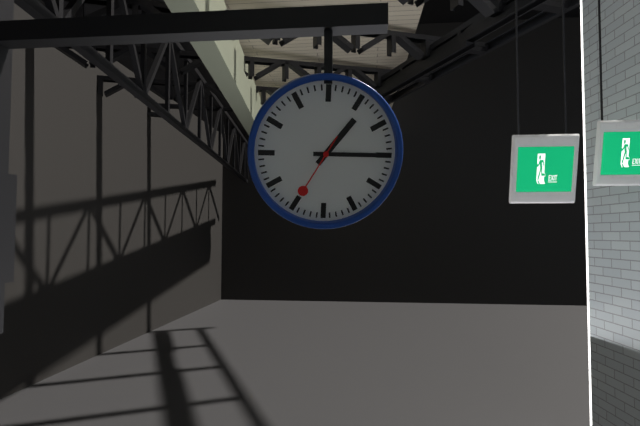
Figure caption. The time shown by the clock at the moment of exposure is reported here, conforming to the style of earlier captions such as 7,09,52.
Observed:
1,15,35
